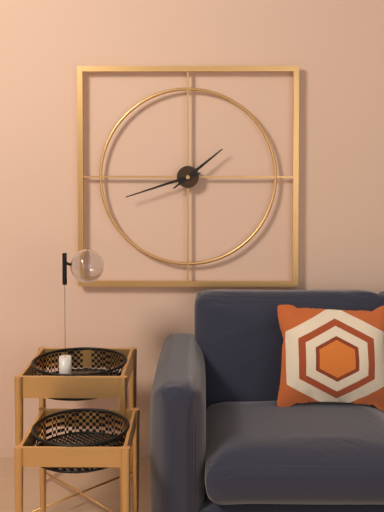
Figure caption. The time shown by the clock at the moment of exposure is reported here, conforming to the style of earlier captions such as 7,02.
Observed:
1,42
